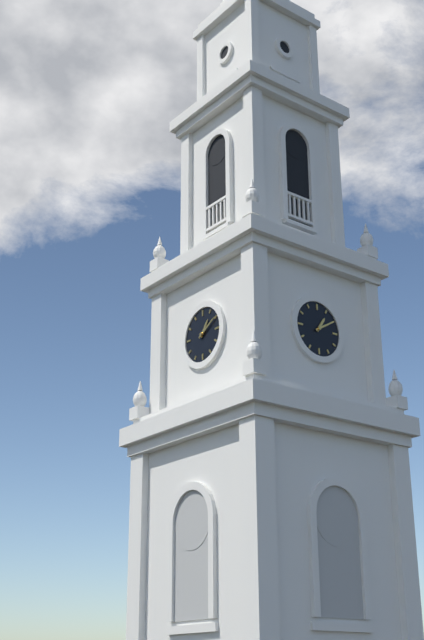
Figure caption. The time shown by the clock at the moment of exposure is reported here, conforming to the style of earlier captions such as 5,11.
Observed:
1,10
